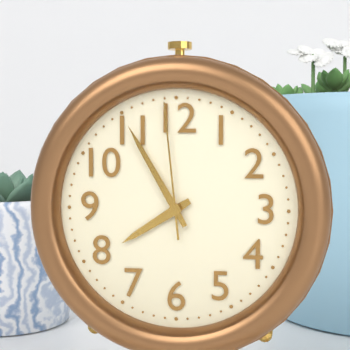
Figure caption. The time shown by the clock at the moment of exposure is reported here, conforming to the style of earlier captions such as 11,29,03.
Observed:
7,55,59
